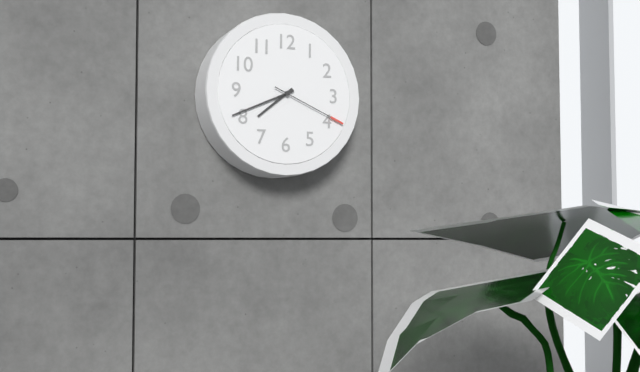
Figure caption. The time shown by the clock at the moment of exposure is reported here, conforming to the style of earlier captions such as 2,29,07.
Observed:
7,41,19
